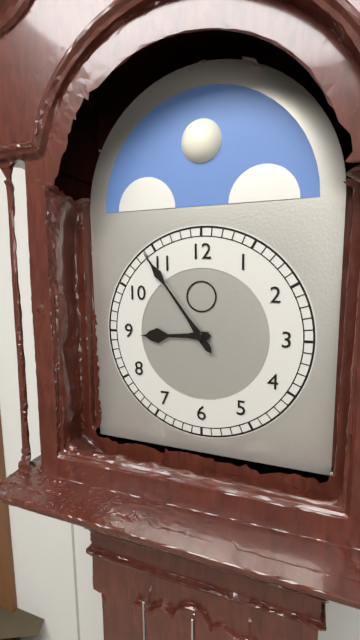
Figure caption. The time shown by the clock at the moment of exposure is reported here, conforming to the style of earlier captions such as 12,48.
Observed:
8,54
